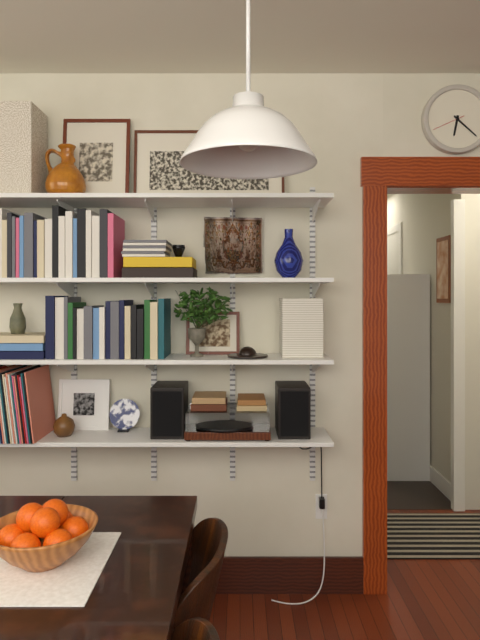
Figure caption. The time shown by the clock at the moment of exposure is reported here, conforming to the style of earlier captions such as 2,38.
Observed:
6,22
